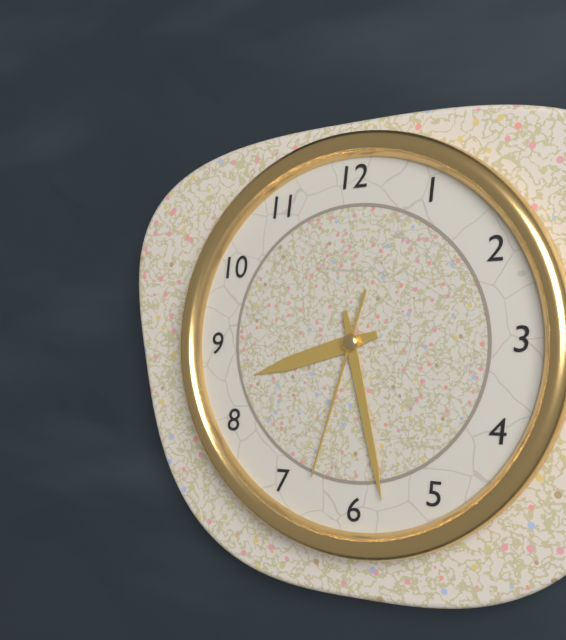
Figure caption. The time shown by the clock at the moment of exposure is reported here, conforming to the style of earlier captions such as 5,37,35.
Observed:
8,28,33
